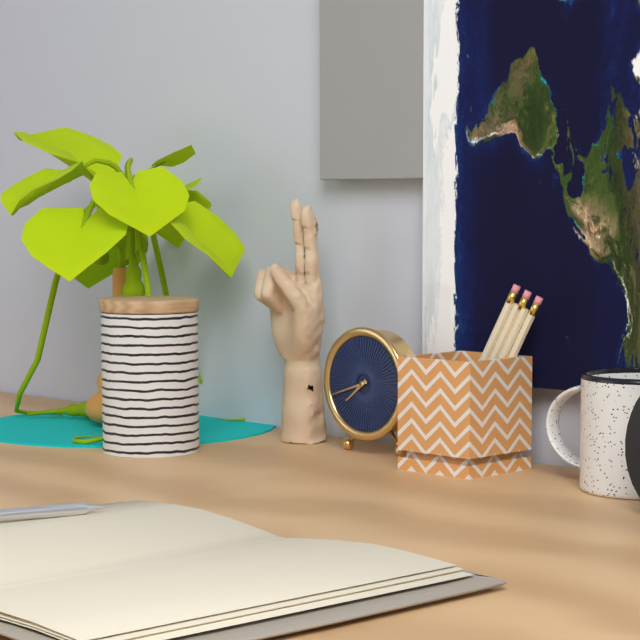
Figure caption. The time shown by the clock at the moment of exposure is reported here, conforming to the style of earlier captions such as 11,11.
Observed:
7,42
